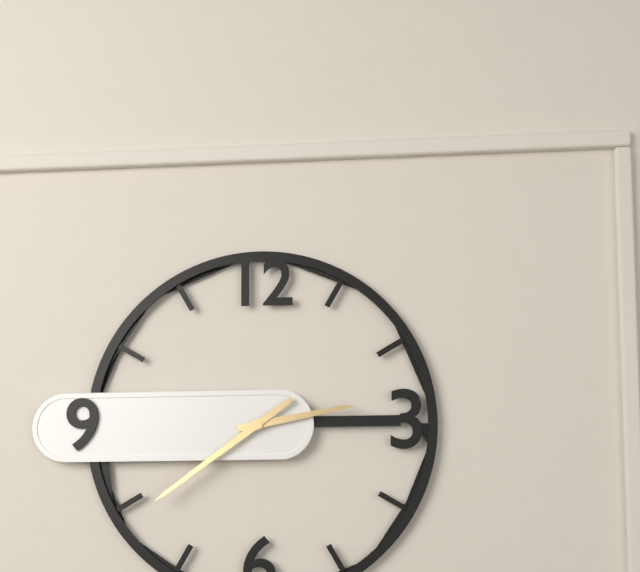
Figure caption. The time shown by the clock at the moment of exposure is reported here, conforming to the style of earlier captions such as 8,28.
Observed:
2,39
